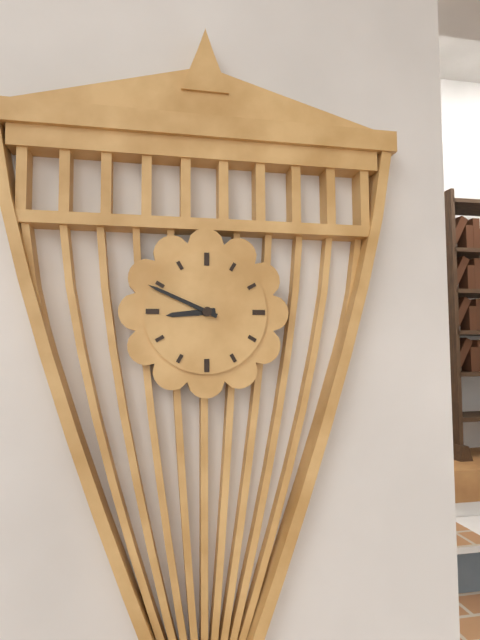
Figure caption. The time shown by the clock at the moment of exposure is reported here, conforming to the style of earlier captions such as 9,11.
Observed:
8,49
